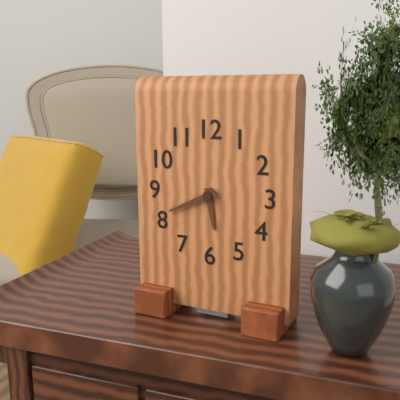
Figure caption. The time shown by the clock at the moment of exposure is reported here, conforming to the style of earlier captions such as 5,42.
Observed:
5,41
